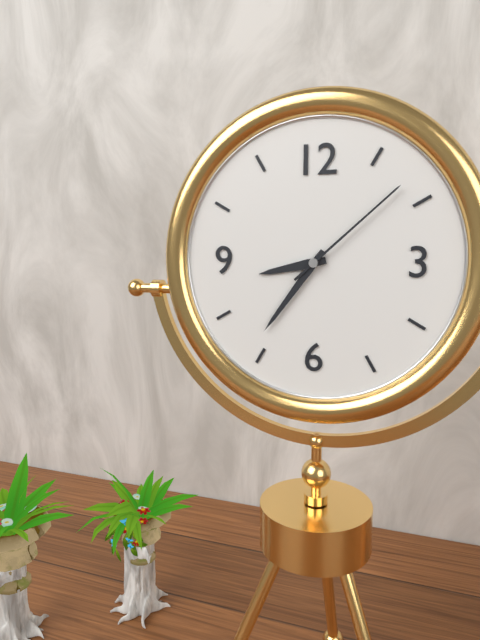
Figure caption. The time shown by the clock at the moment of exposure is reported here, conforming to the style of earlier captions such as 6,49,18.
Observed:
8,36,08
